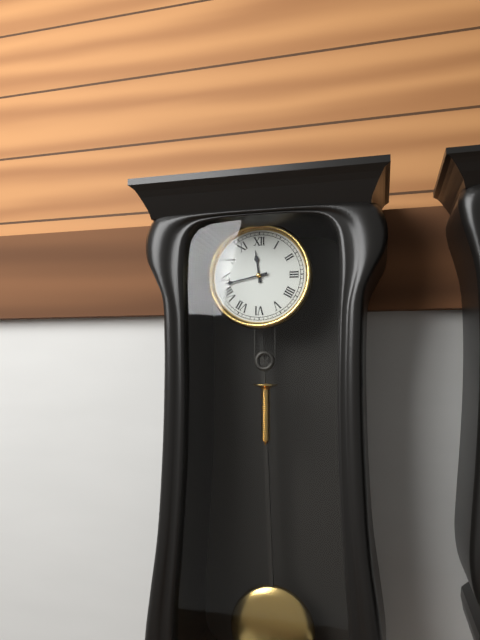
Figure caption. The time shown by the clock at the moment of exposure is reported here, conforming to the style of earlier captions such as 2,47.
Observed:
11,43
